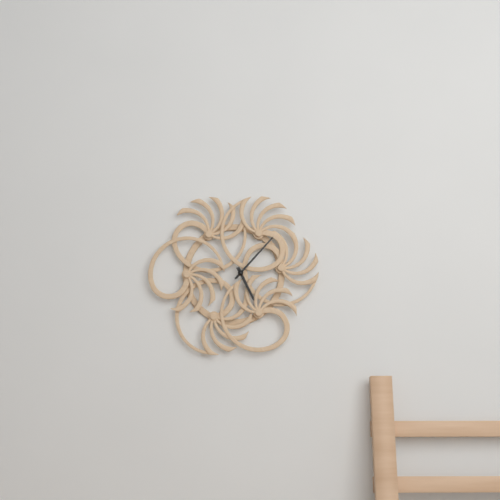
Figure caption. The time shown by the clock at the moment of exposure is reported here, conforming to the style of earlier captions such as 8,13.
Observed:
5,07
